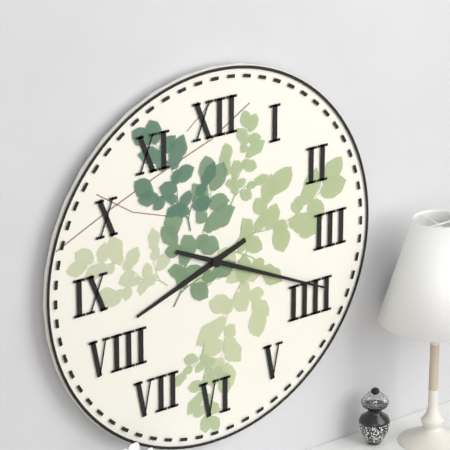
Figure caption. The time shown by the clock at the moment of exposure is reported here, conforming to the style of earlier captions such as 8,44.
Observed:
8,19
